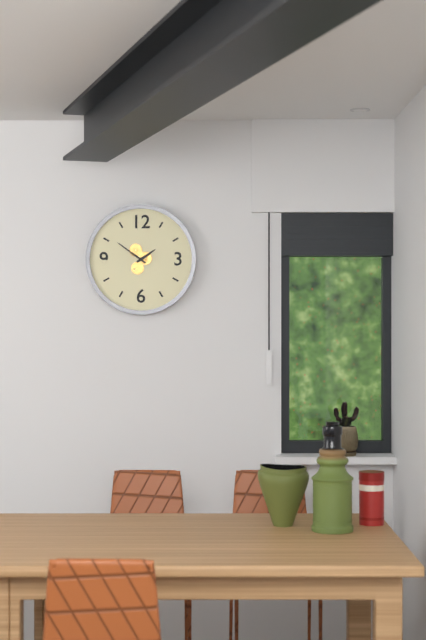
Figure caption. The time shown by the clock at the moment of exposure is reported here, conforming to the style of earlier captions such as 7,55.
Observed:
1,51
